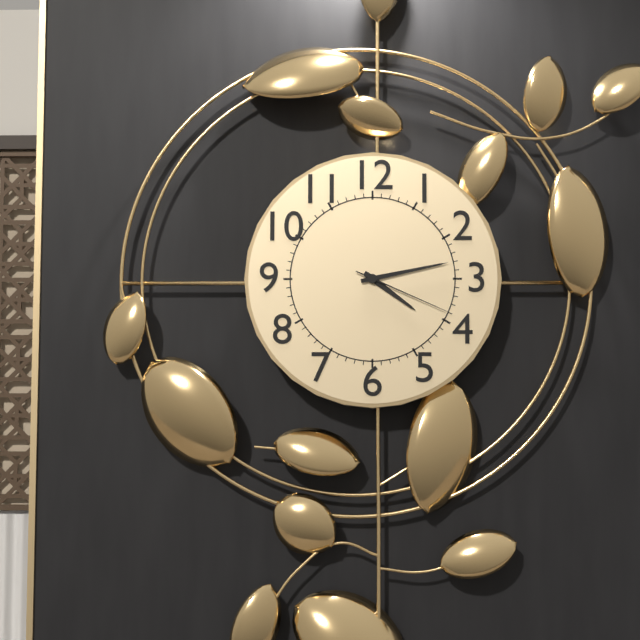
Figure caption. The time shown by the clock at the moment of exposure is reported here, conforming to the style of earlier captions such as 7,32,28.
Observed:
4,13,19
